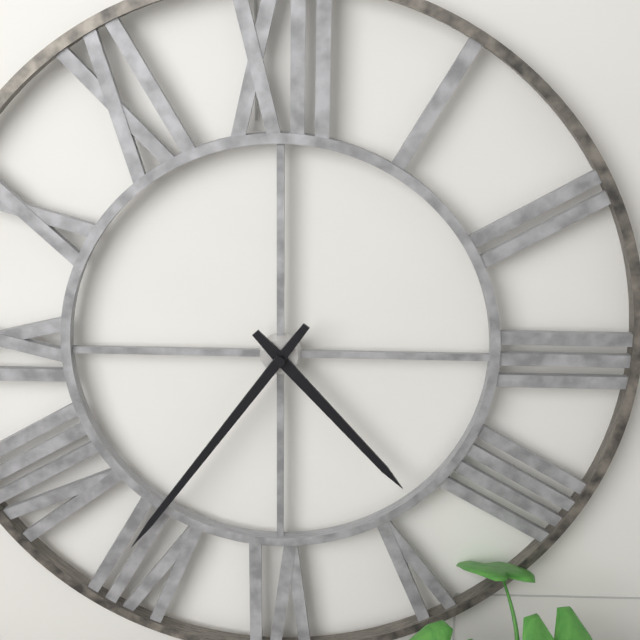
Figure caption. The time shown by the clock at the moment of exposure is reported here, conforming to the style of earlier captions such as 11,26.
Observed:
4,36
